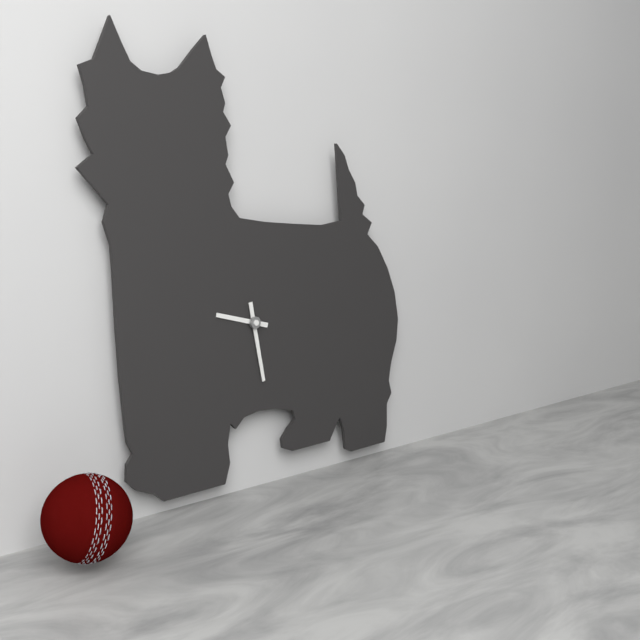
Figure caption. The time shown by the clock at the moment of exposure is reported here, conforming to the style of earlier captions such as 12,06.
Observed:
9,28
